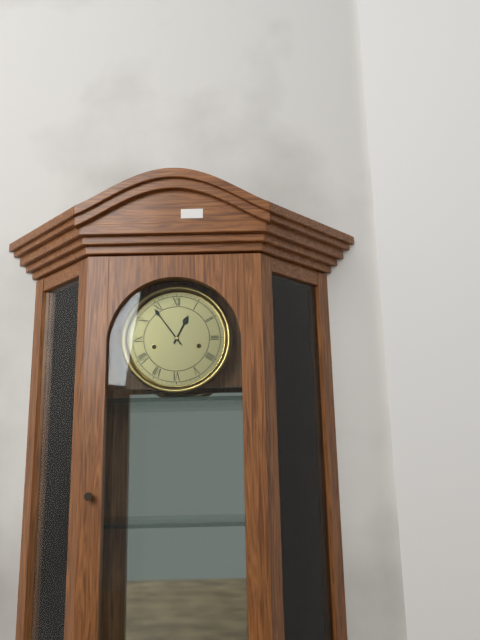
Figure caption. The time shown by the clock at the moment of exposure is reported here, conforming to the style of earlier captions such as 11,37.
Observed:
12,54
